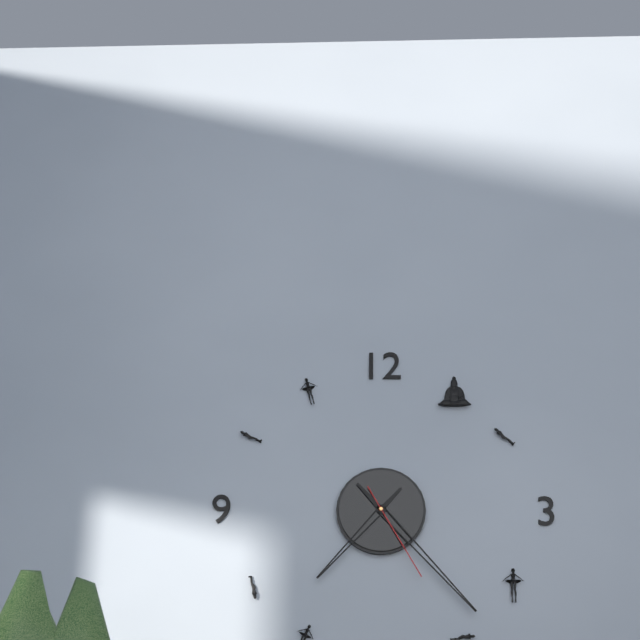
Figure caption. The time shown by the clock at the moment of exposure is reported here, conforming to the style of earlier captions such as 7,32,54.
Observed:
7,23,25
